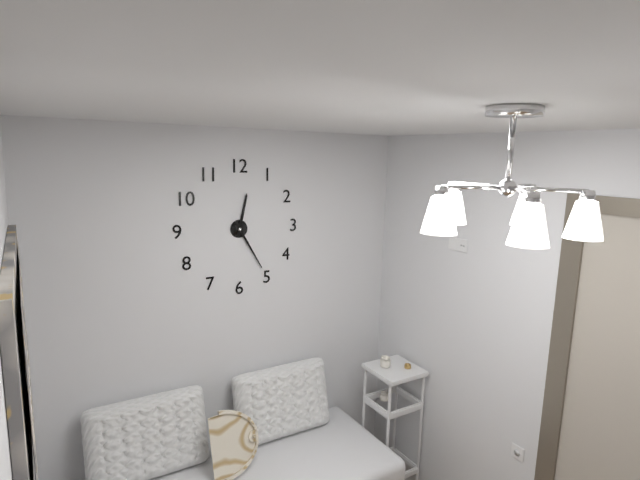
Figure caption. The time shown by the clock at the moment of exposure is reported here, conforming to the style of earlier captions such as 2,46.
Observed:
12,25
